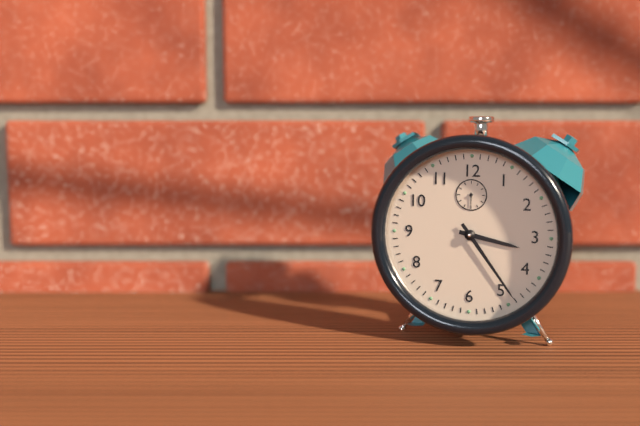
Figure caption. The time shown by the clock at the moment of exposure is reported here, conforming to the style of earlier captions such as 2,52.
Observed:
3,24
